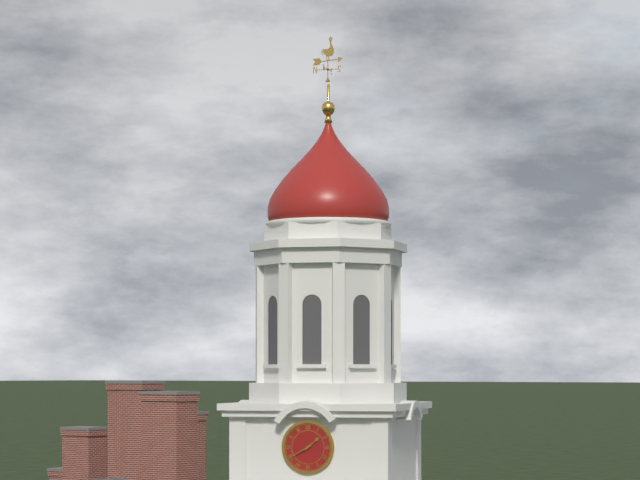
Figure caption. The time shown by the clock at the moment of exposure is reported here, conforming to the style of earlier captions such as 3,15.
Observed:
1,40
